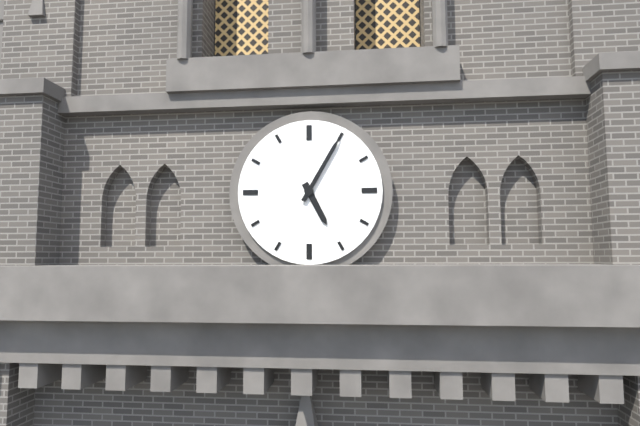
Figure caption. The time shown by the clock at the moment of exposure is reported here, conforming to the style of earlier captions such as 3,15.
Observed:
5,05
